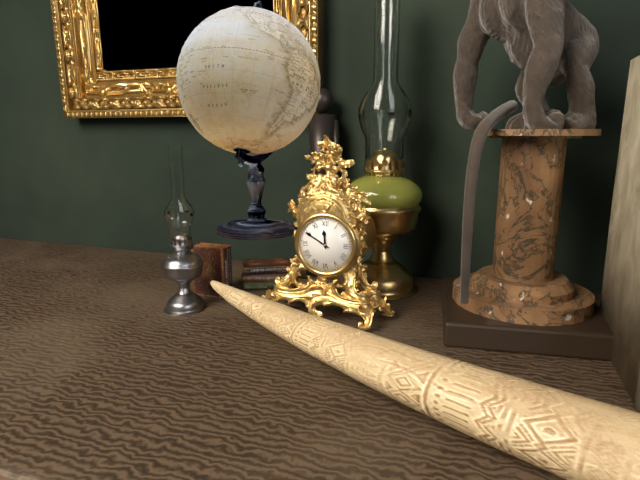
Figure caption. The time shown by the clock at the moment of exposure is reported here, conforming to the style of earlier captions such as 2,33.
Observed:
11,50
